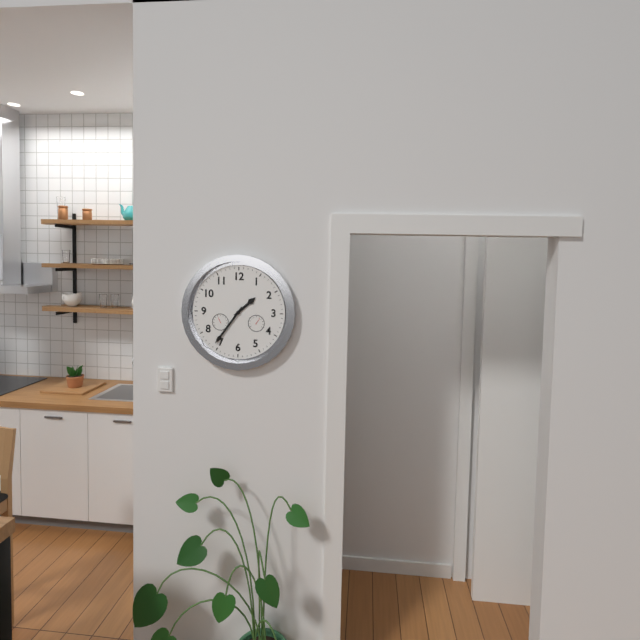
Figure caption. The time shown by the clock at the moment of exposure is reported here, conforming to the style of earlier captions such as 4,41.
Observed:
1,36
